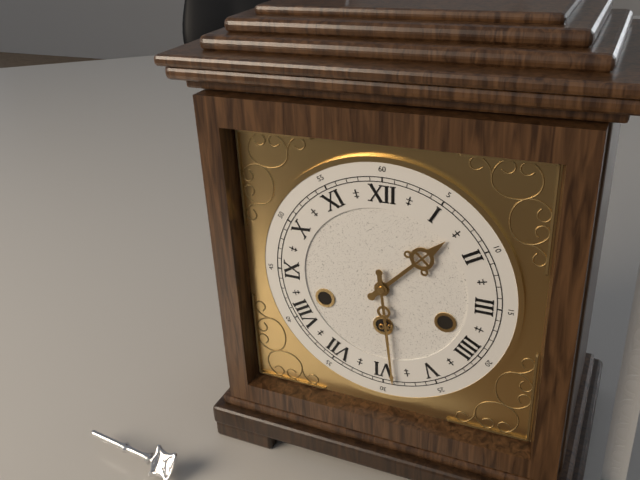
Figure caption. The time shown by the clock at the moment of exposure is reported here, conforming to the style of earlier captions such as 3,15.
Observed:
1,29
